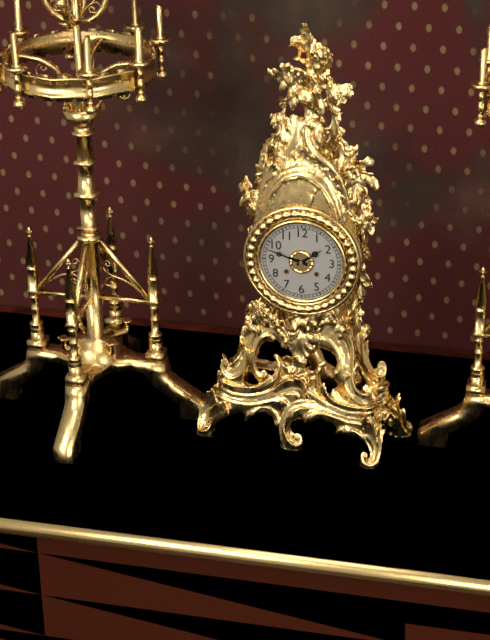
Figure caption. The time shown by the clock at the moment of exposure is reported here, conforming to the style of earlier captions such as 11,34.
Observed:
1,48
